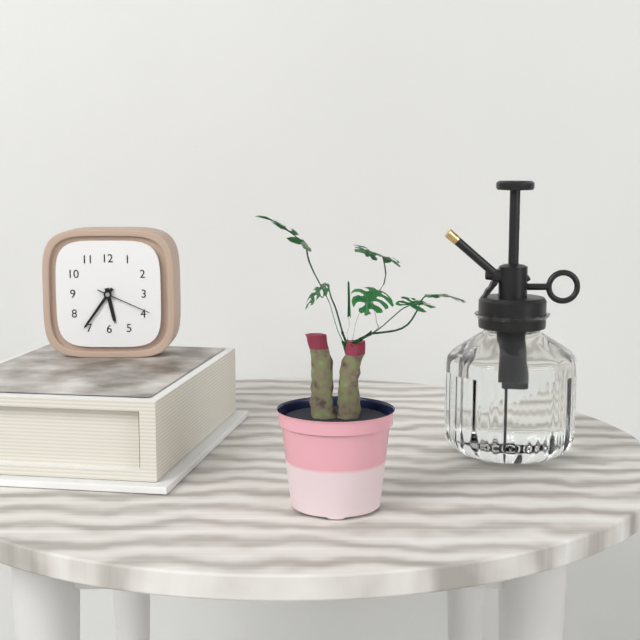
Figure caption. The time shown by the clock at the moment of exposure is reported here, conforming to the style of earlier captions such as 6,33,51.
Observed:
5,36,19
